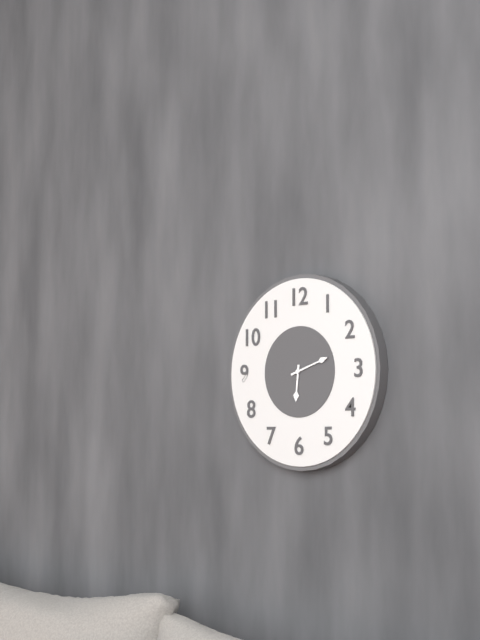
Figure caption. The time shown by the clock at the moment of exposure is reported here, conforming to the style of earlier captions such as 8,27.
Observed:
6,12
